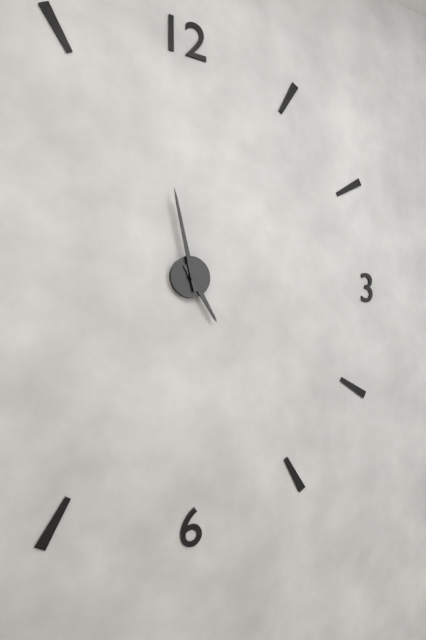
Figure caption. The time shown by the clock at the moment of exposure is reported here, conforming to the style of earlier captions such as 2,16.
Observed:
4,58
